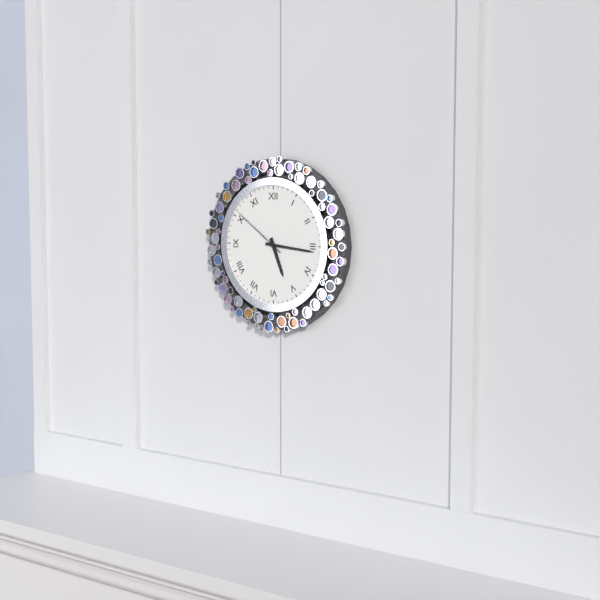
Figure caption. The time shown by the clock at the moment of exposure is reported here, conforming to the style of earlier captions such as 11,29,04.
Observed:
5,16,51
